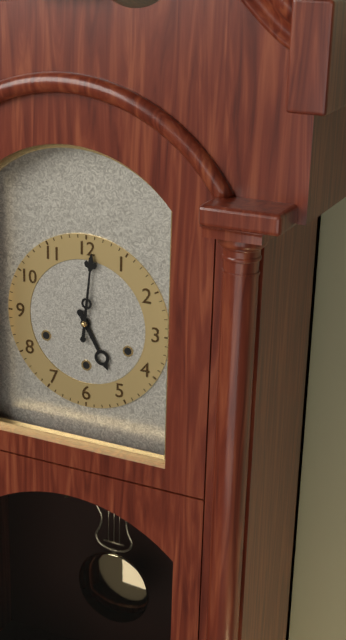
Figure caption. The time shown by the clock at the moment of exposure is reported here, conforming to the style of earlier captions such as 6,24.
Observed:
5,01
